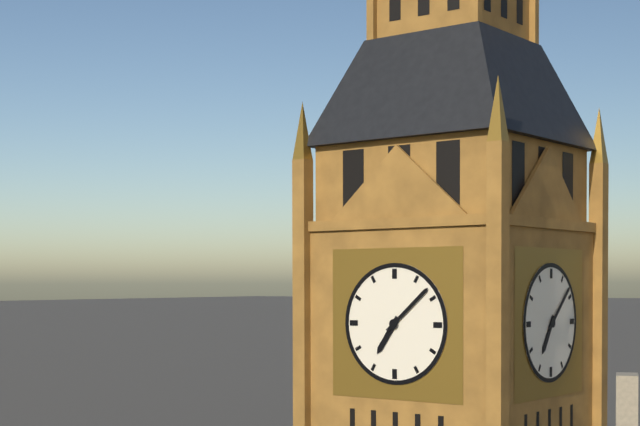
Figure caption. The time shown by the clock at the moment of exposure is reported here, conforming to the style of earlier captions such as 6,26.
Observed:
7,08
